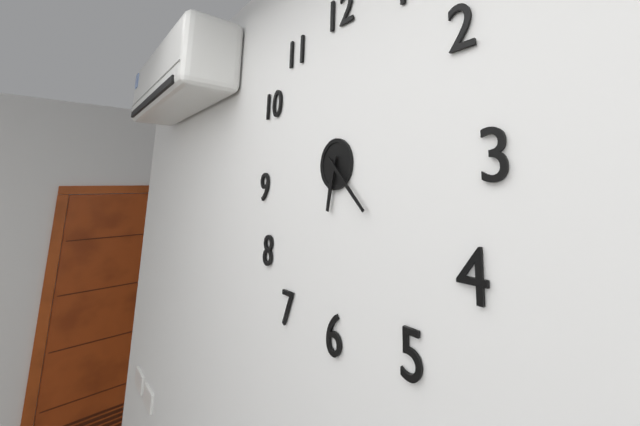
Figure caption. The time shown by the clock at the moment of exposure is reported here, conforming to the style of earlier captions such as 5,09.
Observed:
6,22
